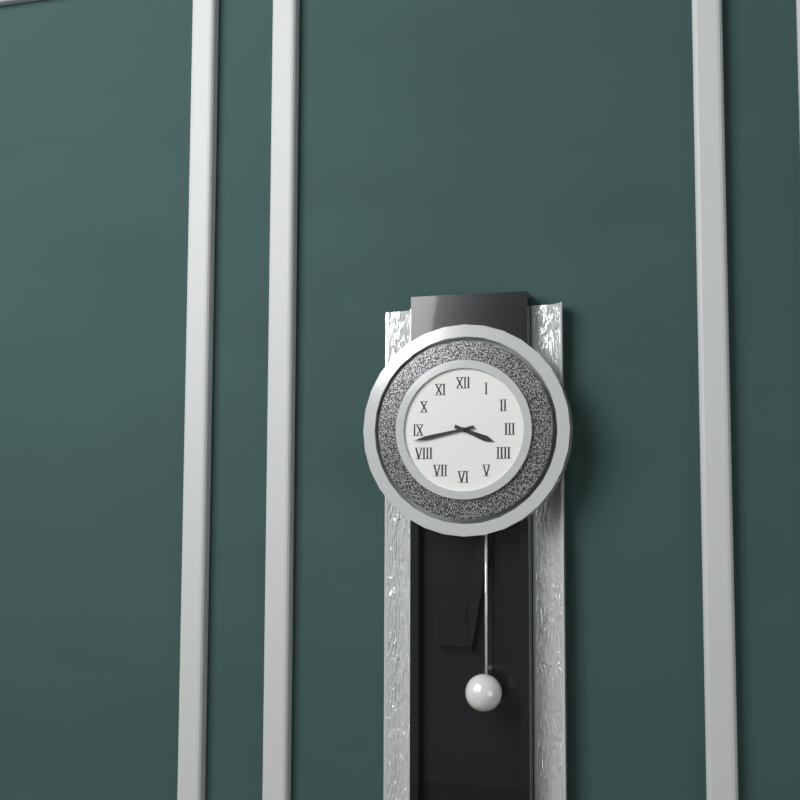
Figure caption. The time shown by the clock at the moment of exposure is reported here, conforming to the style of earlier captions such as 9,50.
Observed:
3,43
